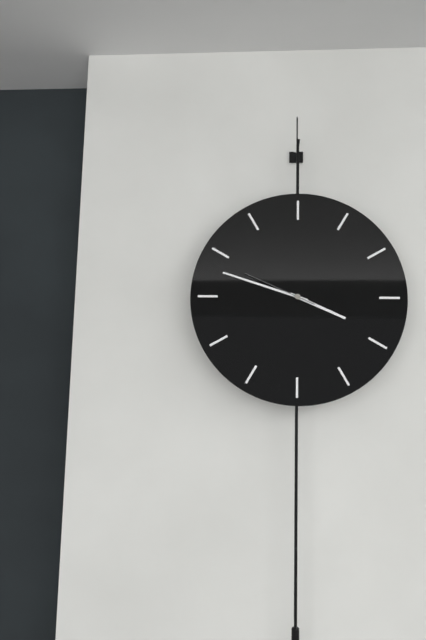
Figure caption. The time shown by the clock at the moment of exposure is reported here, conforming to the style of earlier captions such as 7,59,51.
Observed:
3,48,49
